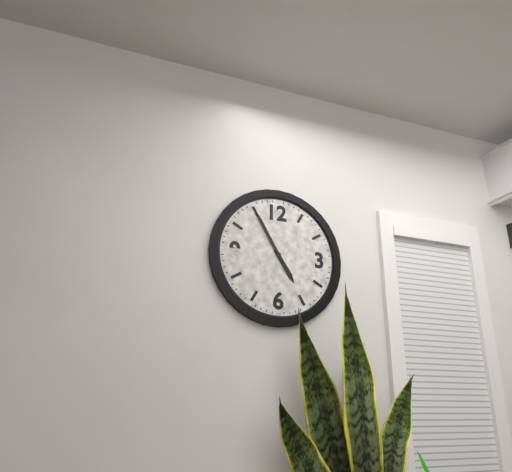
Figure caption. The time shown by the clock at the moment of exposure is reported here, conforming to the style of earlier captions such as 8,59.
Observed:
4,55
